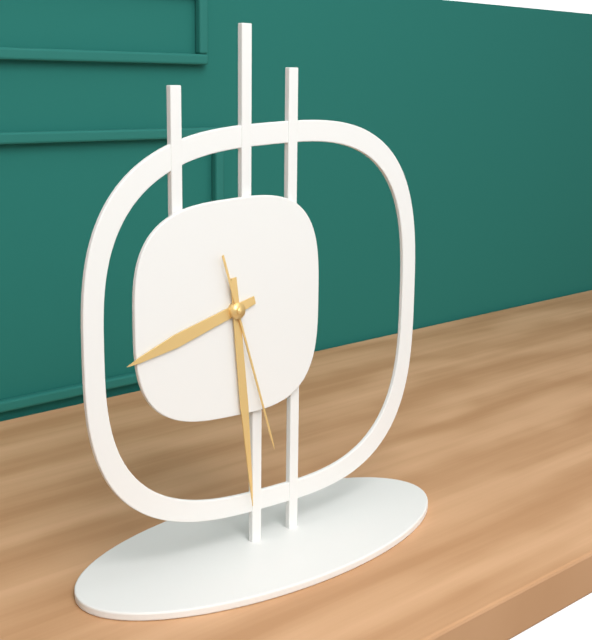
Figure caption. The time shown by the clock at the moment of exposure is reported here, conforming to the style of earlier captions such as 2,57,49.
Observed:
8,29,27
